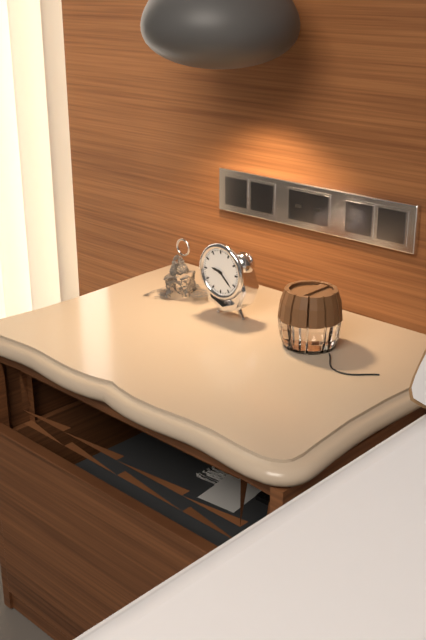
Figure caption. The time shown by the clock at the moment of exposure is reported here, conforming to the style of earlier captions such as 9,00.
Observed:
9,22
